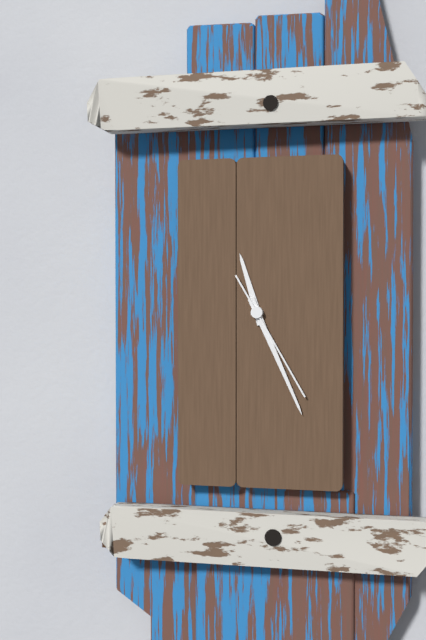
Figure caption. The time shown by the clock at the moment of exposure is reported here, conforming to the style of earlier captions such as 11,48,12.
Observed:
11,26,25
